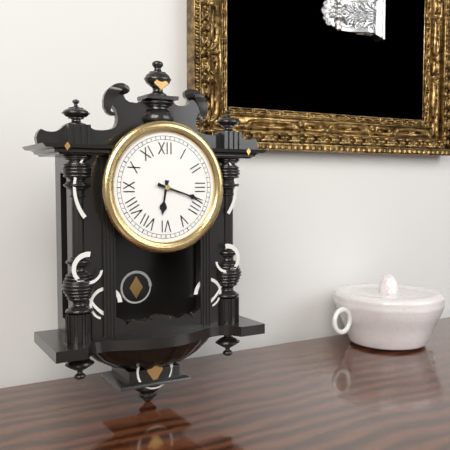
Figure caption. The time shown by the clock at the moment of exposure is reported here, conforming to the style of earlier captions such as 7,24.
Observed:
6,18
